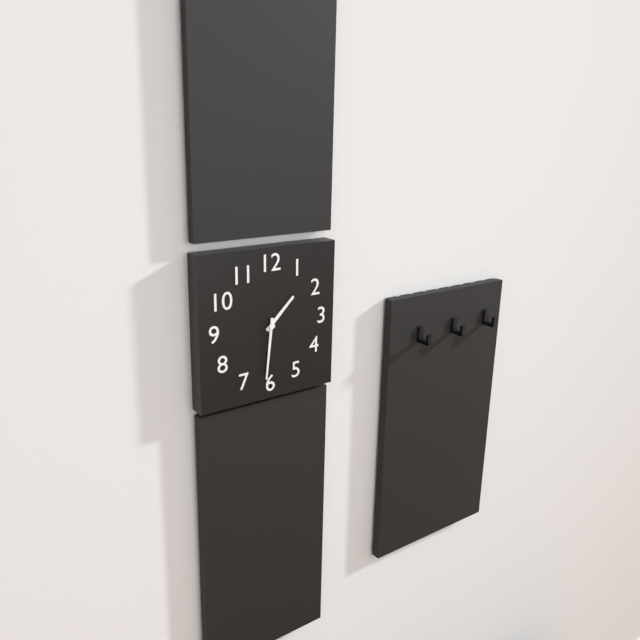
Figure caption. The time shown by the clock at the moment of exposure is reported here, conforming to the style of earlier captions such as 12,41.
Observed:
1,31
